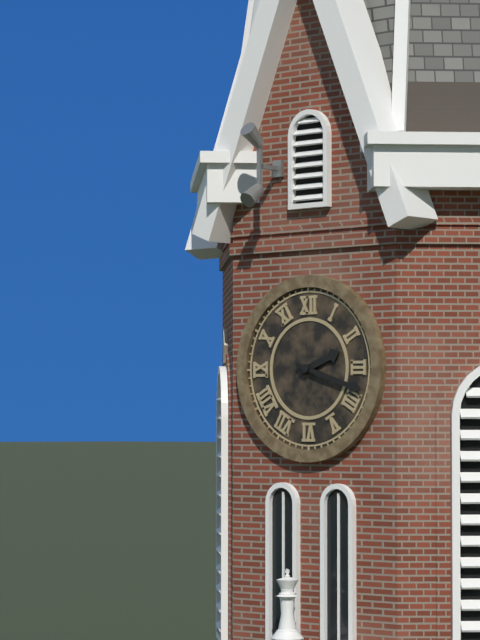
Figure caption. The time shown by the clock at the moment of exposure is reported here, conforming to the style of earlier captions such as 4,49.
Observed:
2,18
